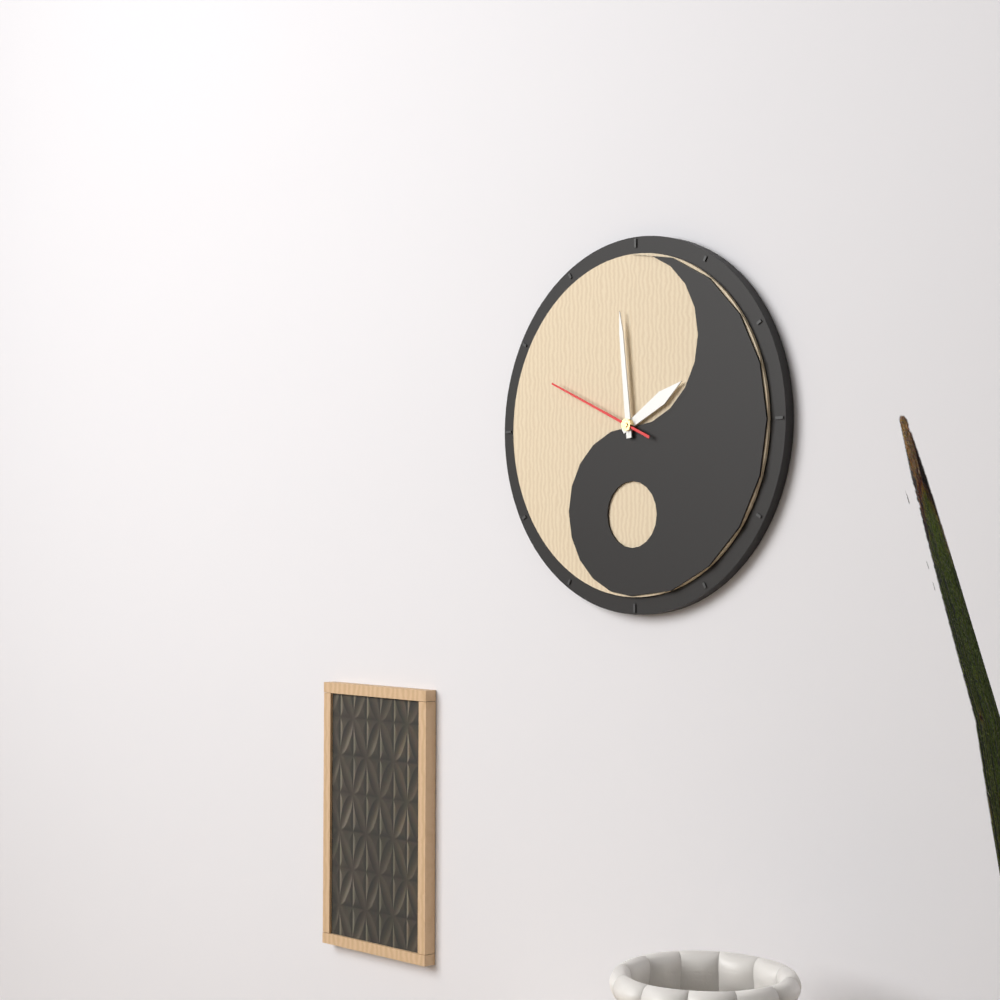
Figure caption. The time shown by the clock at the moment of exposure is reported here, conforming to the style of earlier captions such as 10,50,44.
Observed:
1,59,49
